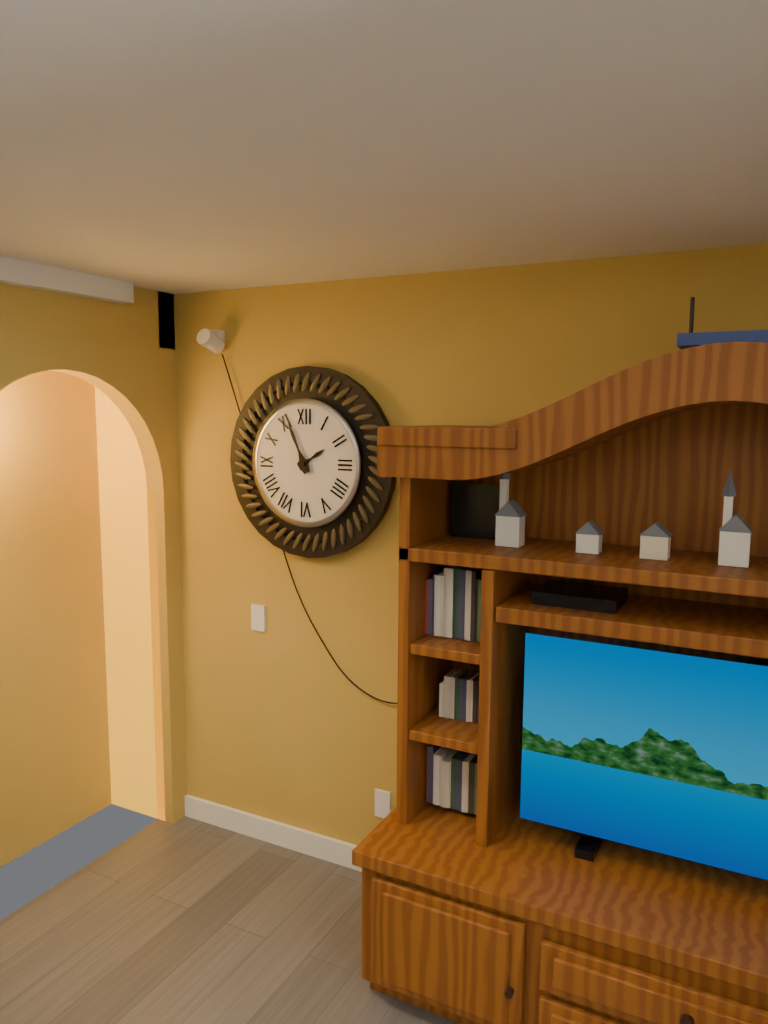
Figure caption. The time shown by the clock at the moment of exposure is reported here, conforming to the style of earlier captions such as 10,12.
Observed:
1,56
